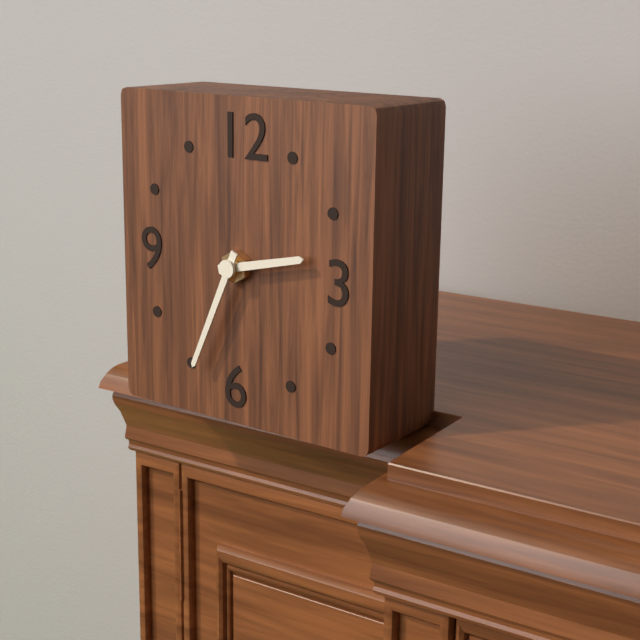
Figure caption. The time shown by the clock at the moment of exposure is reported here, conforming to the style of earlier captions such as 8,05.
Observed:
2,34
